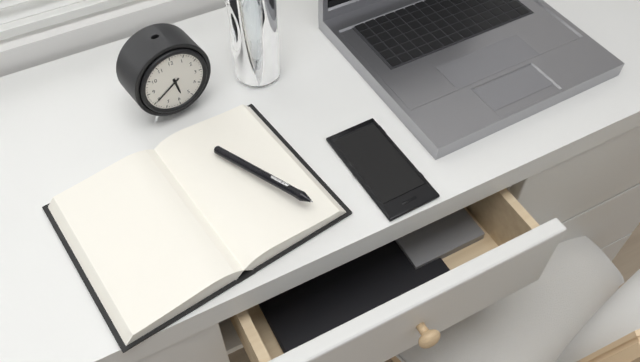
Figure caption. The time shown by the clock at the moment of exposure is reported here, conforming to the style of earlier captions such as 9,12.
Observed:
5,40
